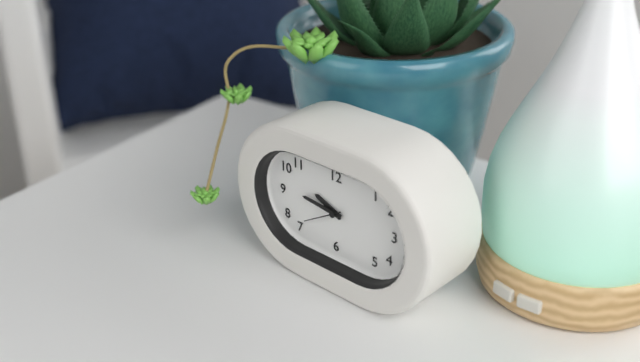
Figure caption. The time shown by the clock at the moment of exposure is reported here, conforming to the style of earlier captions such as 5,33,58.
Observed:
9,46,40
